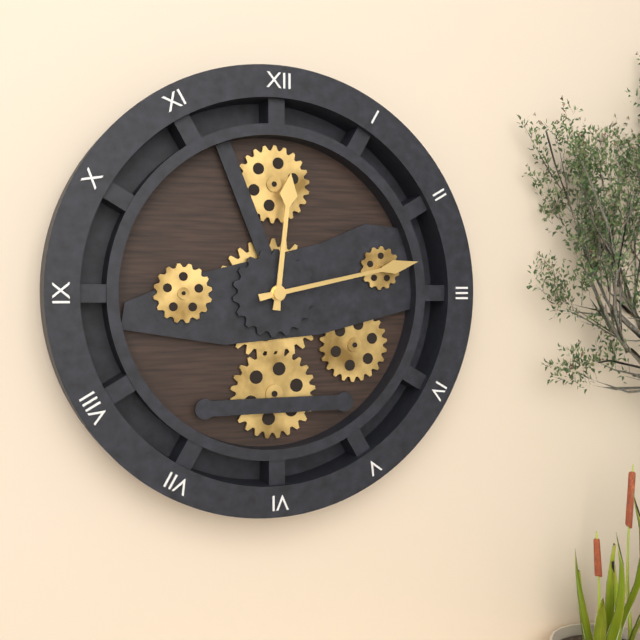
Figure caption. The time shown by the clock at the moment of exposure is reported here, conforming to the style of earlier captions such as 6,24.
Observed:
12,13
